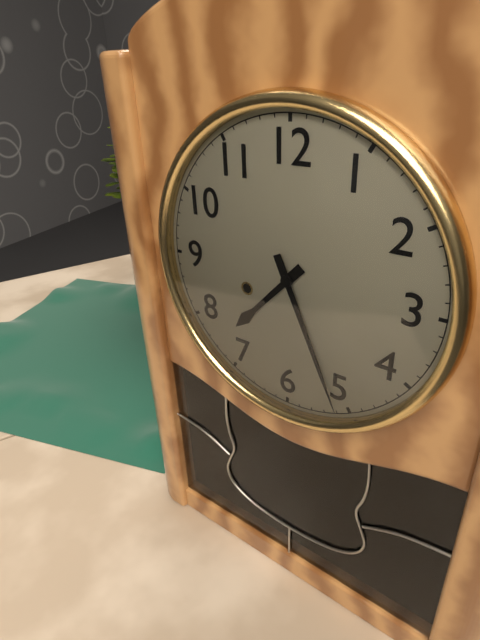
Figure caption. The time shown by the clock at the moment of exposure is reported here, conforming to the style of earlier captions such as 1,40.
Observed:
7,26
